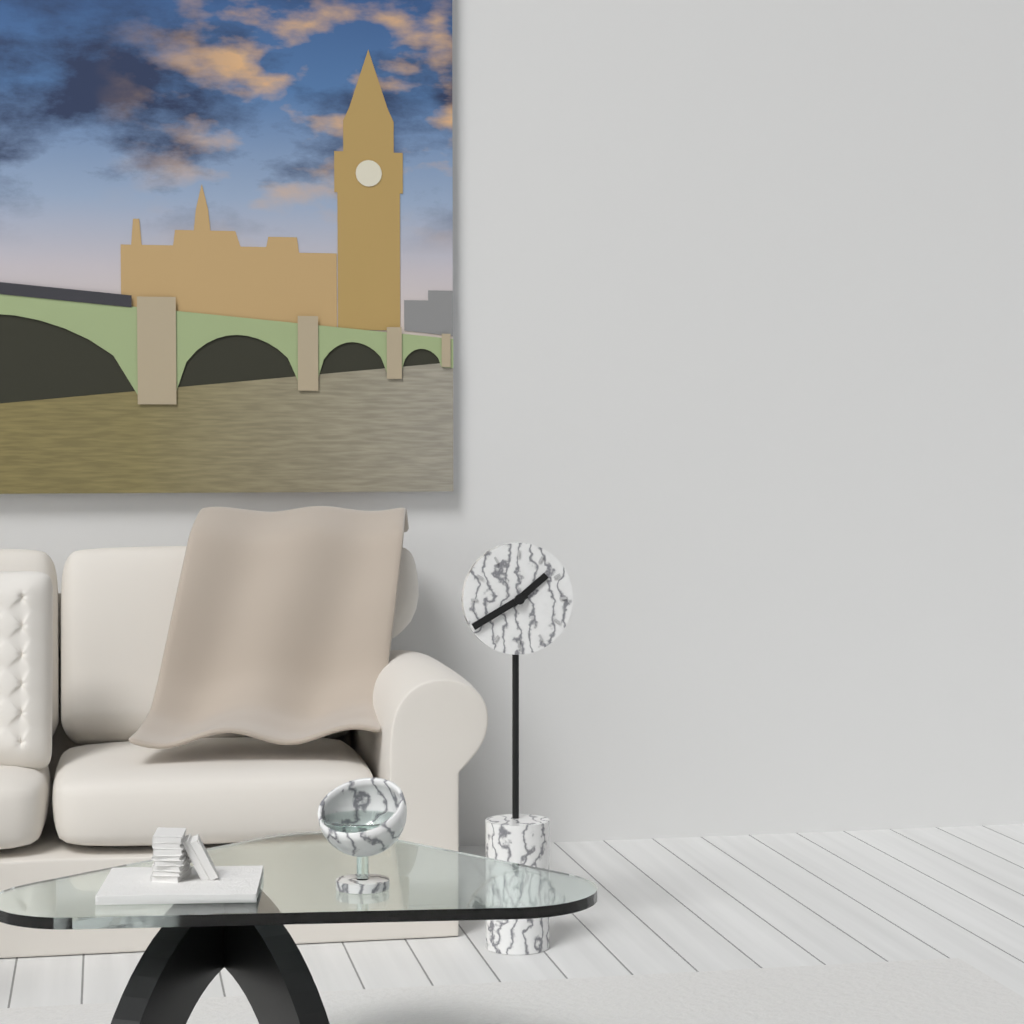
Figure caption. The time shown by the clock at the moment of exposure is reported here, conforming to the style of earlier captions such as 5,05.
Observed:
1,40
